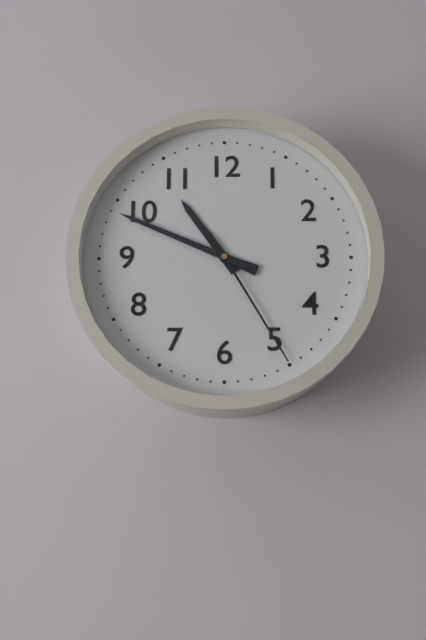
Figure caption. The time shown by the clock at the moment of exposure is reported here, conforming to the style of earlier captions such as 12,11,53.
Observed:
10,49,25
